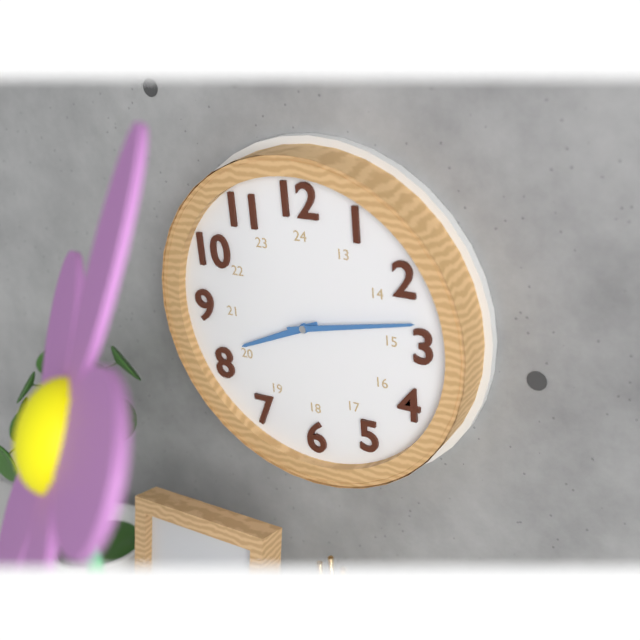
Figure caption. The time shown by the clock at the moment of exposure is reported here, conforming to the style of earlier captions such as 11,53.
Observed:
8,13
